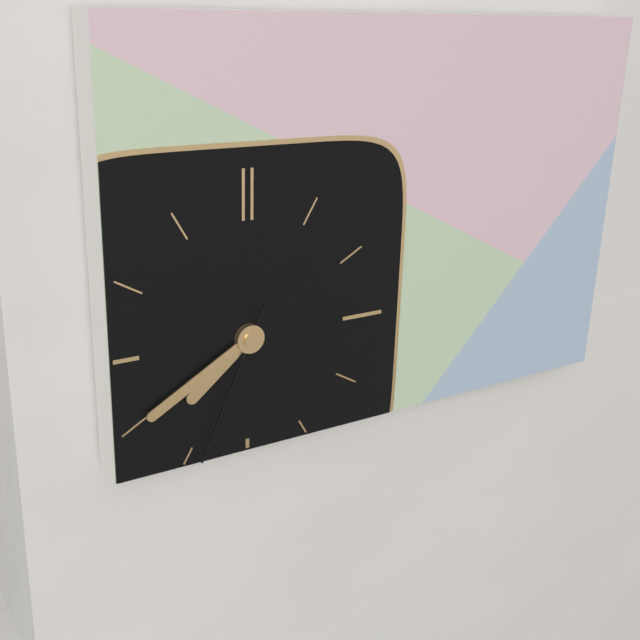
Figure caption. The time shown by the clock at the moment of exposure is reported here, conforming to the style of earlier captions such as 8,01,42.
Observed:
7,40,34
